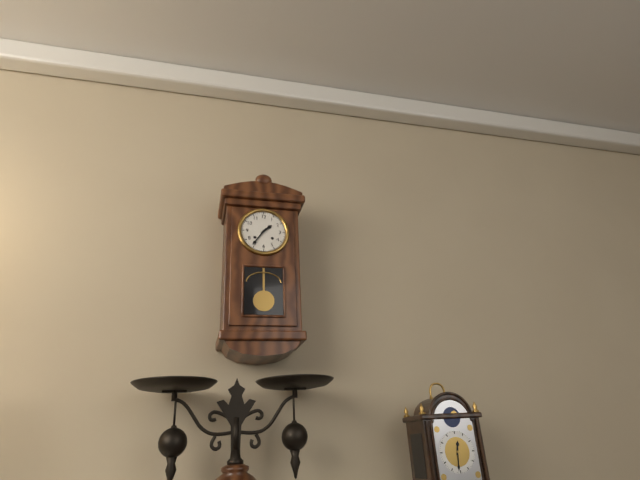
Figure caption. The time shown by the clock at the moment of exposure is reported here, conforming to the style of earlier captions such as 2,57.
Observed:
1,36
